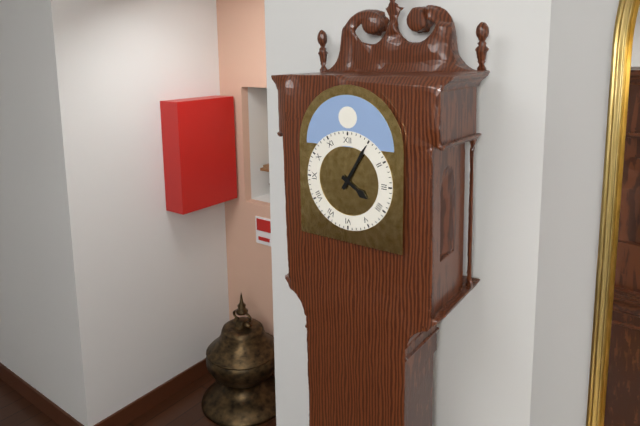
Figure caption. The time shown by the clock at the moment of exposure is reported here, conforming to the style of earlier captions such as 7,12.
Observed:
4,05
